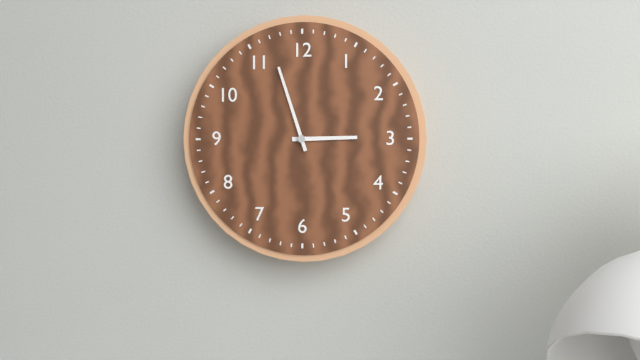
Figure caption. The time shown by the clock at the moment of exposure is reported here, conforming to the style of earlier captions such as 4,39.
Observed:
2,57
